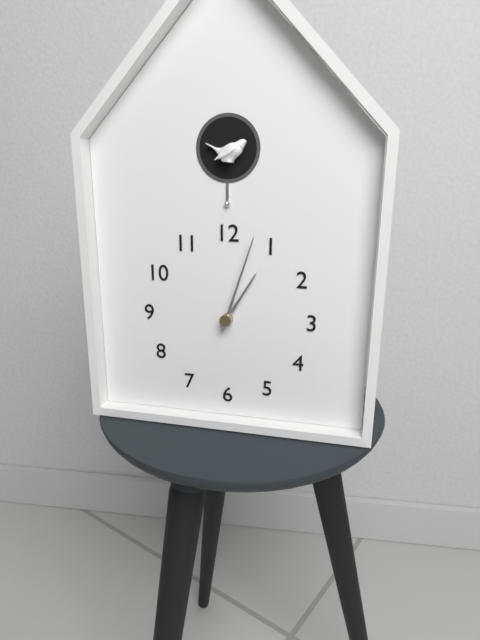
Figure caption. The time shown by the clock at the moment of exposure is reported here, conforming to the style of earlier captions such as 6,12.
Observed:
1,03
